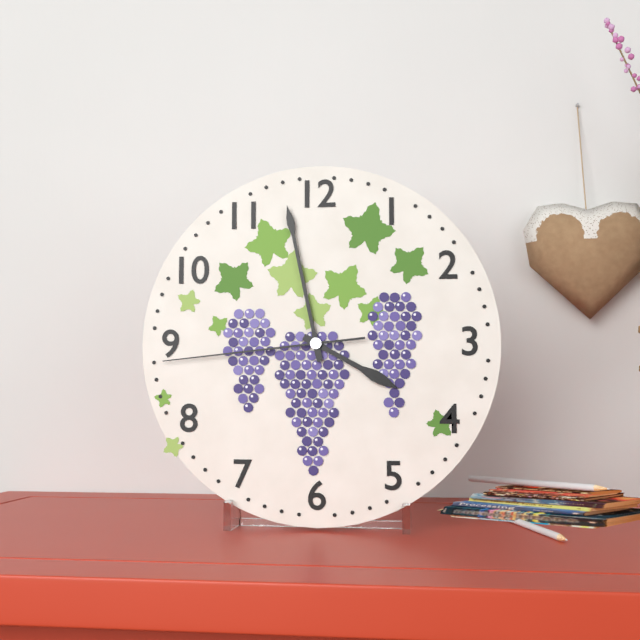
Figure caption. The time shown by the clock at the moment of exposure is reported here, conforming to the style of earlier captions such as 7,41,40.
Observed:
3,58,44
